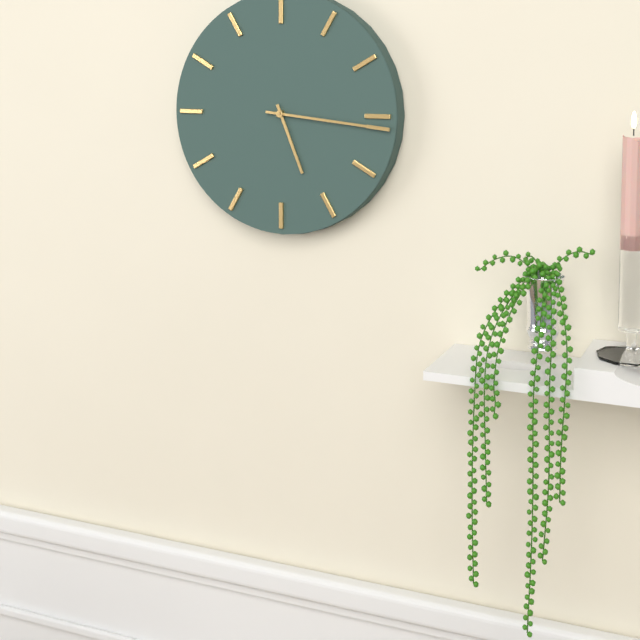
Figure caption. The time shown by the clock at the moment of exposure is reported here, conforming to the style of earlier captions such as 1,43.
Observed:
5,16
